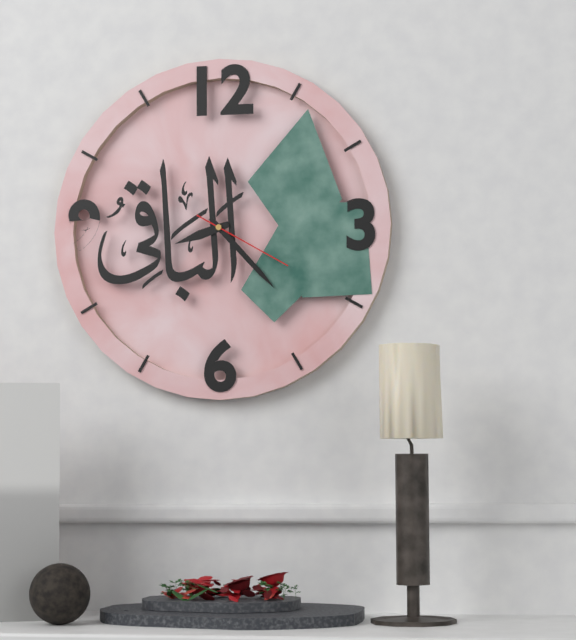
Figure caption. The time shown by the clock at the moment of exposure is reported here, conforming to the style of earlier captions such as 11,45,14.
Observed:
8,23,20
